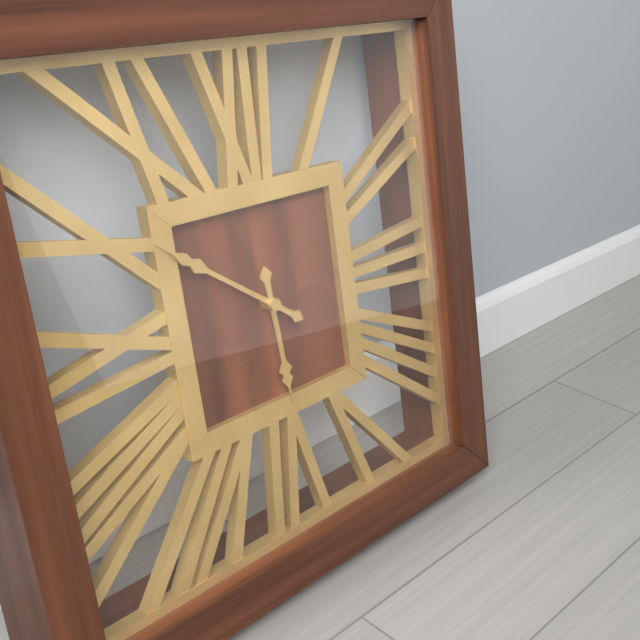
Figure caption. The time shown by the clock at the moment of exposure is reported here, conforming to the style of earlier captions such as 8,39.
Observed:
5,51
